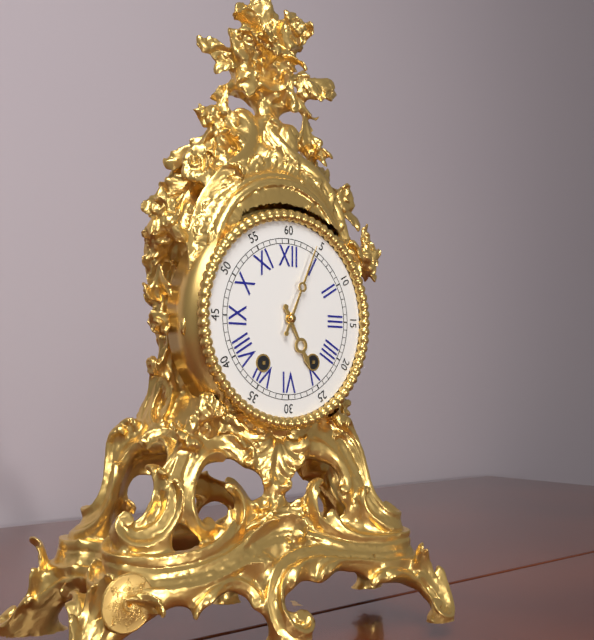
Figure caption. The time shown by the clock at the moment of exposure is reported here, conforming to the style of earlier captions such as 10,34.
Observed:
5,04
